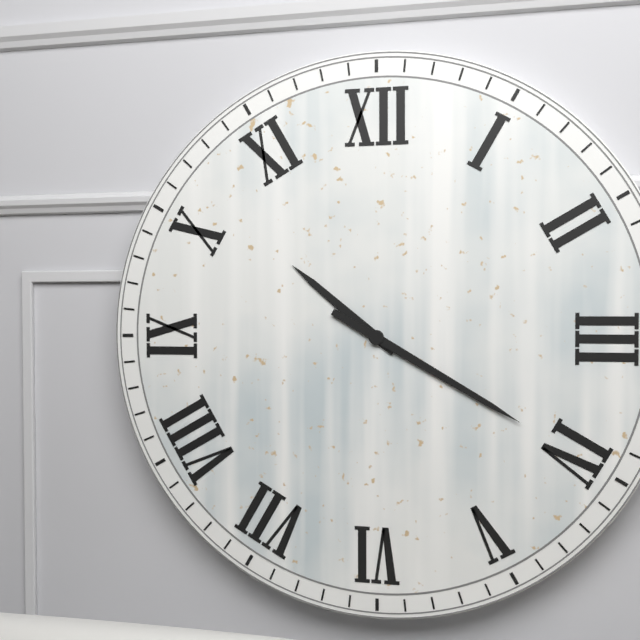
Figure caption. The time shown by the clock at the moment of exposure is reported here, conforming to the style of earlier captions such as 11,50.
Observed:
10,20
